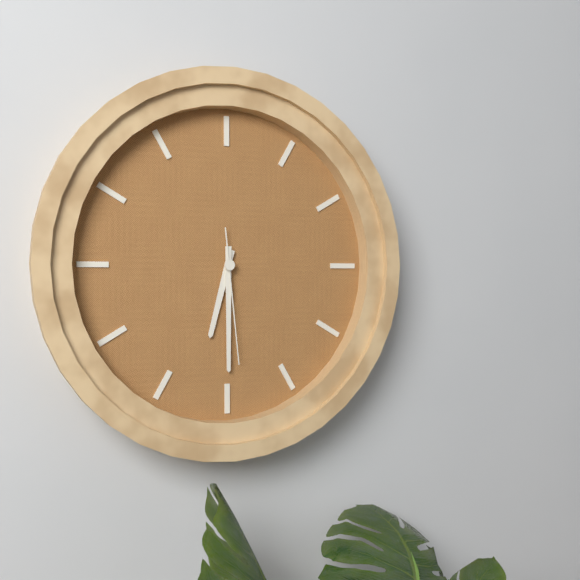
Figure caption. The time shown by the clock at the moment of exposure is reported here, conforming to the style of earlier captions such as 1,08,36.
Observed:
6,30,29
